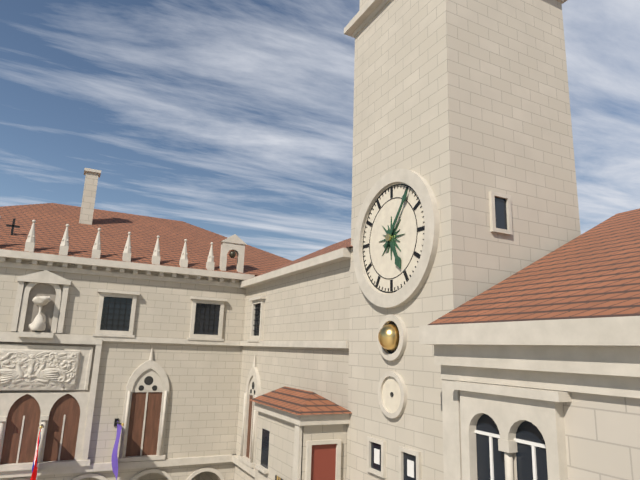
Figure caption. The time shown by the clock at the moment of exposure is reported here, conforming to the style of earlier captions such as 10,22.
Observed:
5,06
